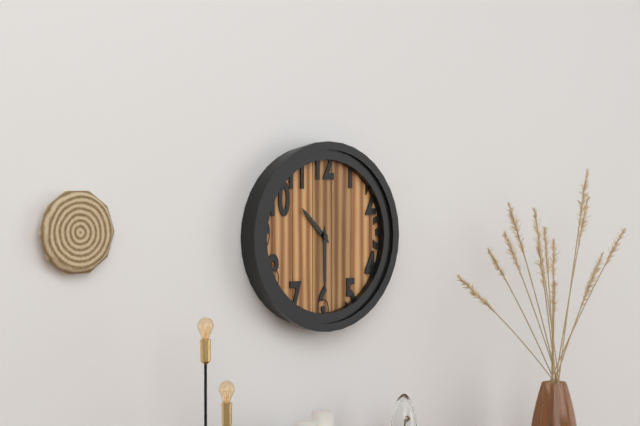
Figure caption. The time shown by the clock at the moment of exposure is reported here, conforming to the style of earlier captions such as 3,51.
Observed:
10,30
